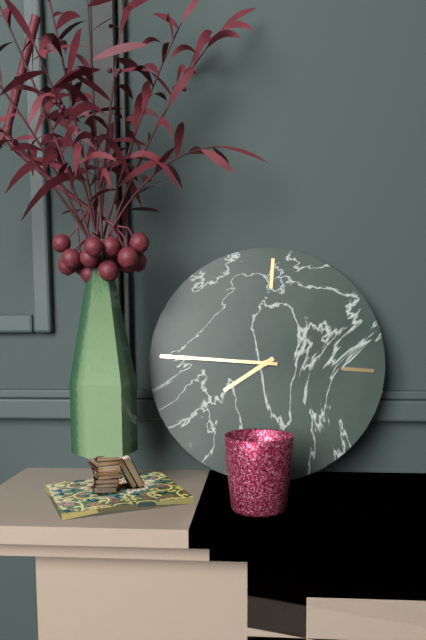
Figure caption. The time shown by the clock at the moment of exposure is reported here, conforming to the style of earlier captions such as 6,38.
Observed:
7,45
